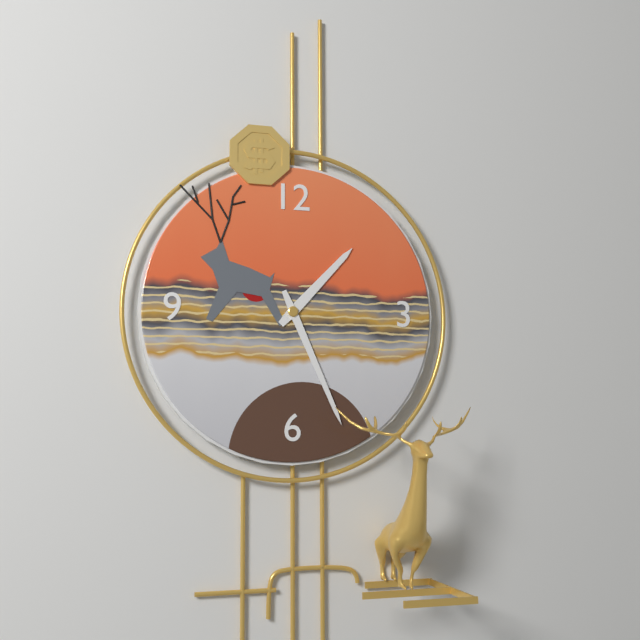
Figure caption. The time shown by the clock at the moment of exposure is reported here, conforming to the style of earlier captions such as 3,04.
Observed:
1,26
